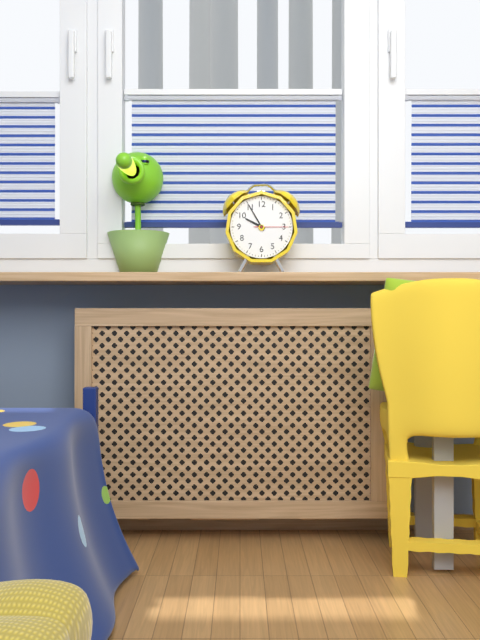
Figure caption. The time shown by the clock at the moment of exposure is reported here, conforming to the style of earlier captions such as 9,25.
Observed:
9,55
